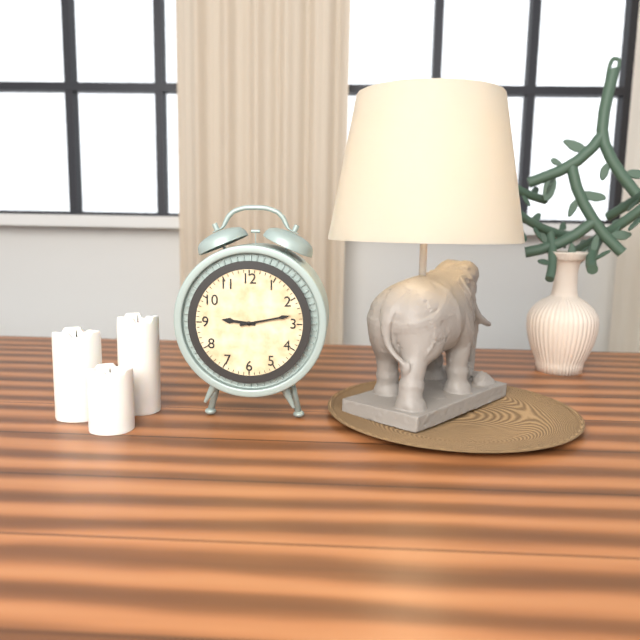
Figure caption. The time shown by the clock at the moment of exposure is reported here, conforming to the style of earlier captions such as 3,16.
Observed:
9,13
